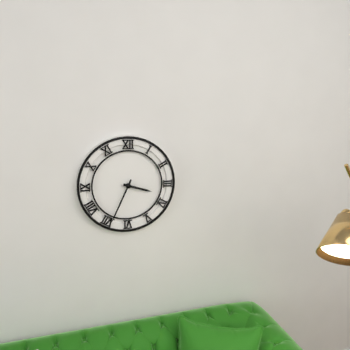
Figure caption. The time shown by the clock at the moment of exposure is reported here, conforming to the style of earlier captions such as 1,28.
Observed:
3,34
